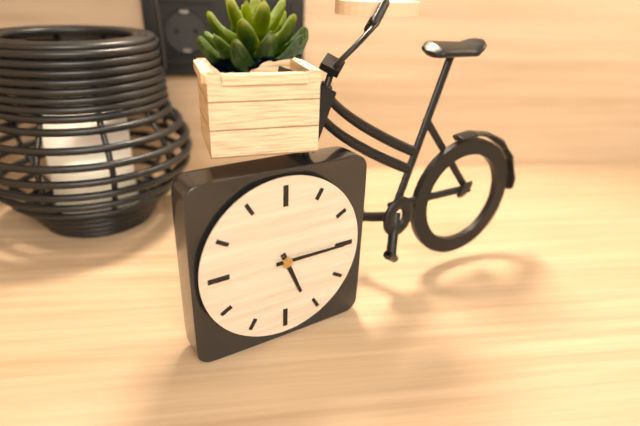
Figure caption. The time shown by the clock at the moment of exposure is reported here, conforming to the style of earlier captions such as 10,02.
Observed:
5,15
